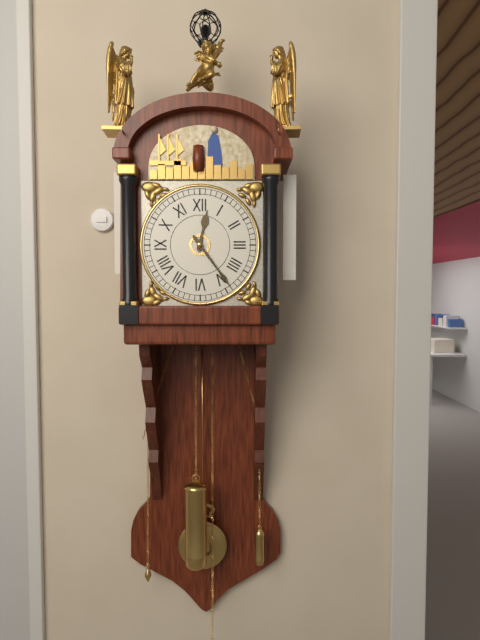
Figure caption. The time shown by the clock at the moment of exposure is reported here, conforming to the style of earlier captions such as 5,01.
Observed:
12,24
